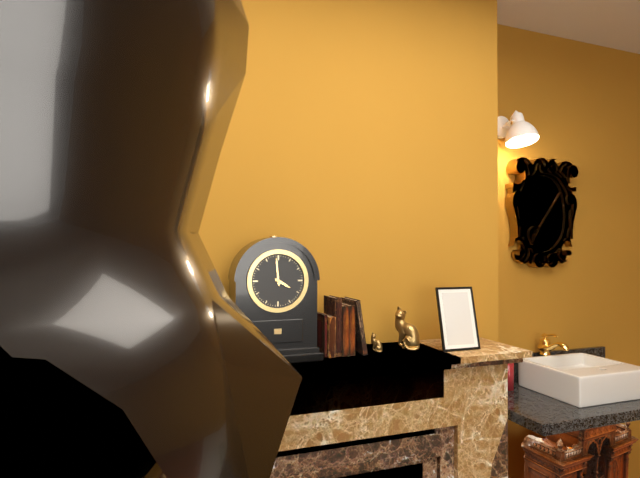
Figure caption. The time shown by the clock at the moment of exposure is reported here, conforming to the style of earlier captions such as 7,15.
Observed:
3,59
